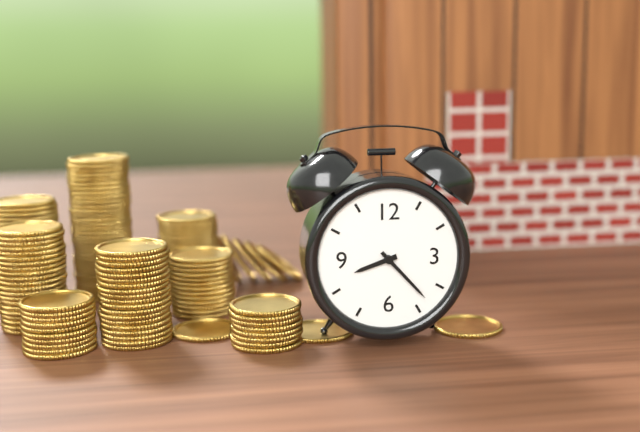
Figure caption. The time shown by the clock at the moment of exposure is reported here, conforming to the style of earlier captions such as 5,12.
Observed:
8,23
